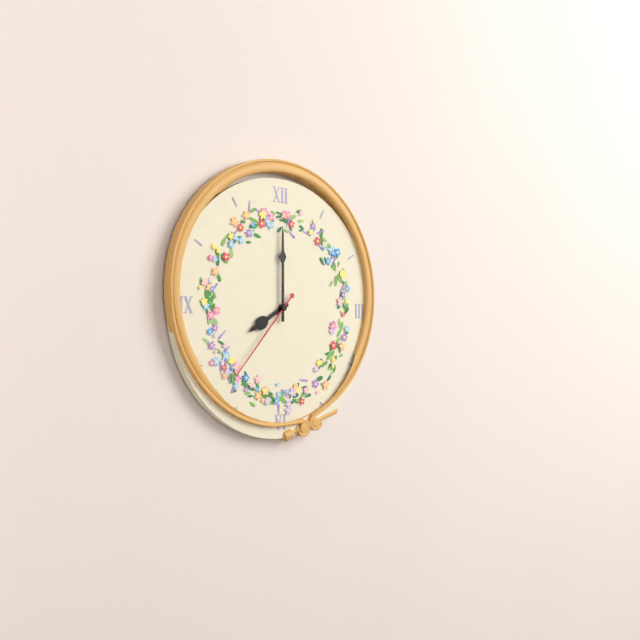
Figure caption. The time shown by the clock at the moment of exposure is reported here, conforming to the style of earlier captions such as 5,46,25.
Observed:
8,00,37
